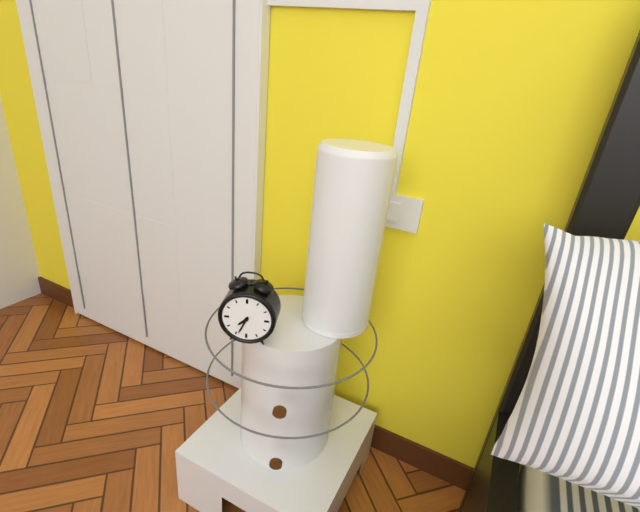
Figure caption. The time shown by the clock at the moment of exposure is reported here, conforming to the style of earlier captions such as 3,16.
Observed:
7,34
